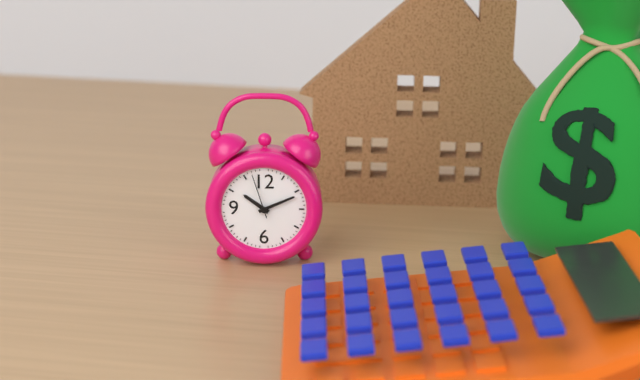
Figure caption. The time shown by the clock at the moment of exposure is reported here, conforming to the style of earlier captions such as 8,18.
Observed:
10,11
